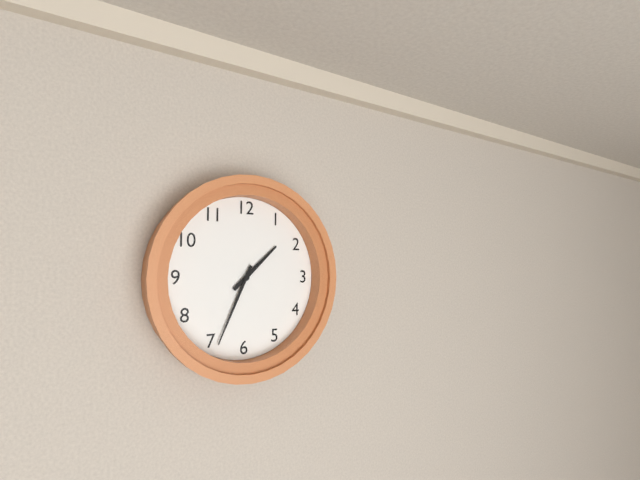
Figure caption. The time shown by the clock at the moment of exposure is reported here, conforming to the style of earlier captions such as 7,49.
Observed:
1,34
